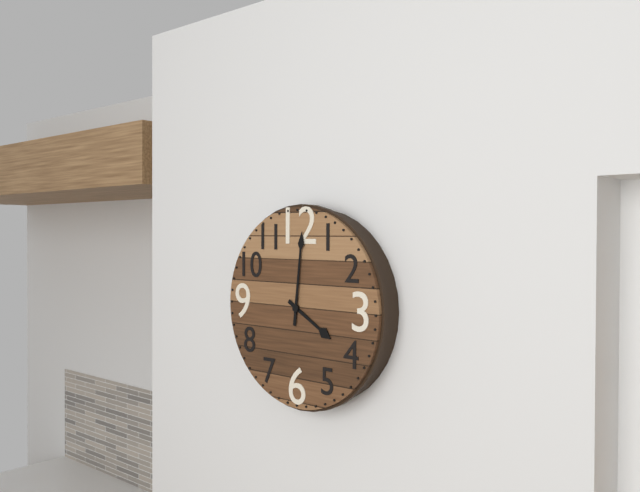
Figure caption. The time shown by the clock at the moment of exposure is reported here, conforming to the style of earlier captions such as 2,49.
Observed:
4,01
